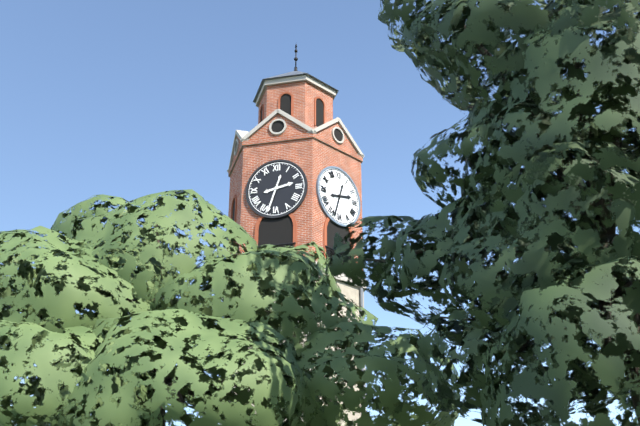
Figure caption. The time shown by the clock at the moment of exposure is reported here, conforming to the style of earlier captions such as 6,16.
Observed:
2,33
